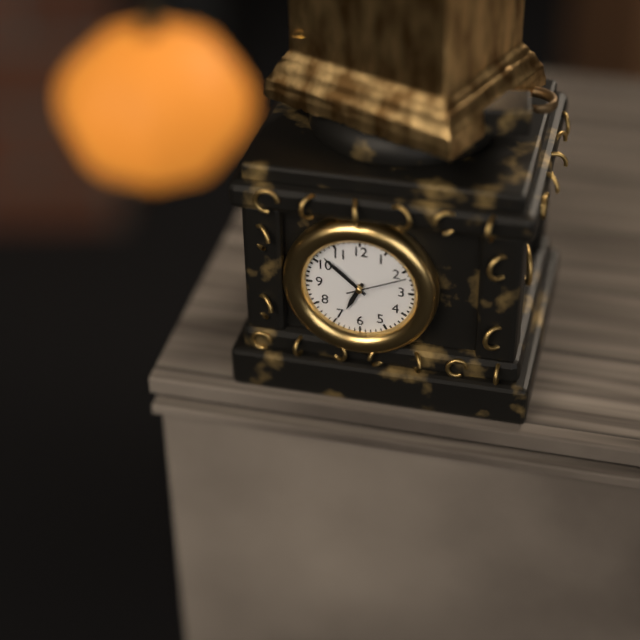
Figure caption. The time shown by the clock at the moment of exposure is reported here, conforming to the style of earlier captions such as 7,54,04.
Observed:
6,52,11
